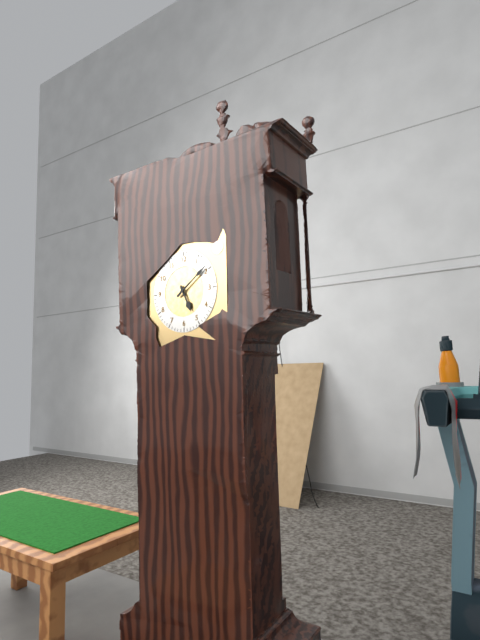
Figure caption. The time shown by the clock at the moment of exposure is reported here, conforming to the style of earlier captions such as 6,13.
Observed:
5,09
